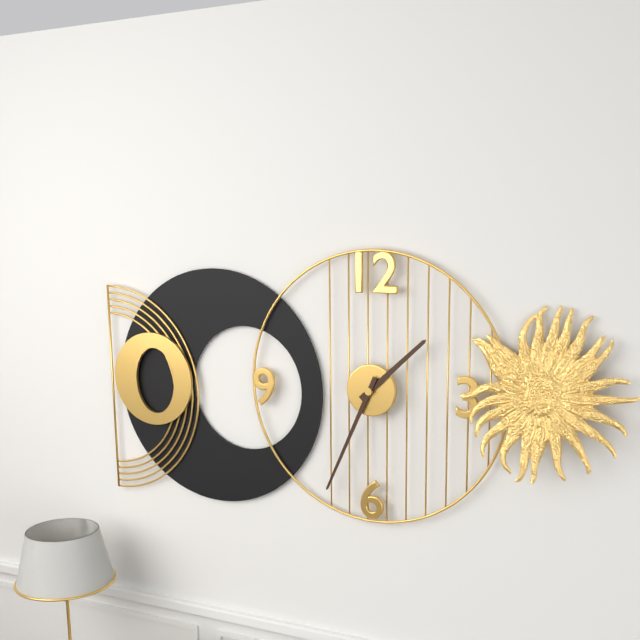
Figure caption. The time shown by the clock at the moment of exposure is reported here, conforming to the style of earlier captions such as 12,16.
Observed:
1,34
